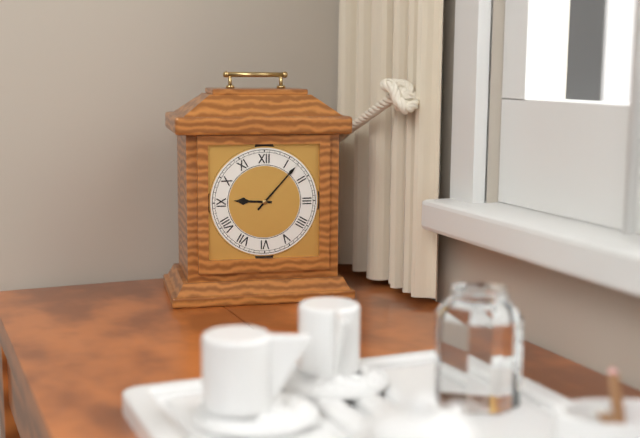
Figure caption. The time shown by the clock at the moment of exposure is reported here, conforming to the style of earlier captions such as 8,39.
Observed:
9,07
